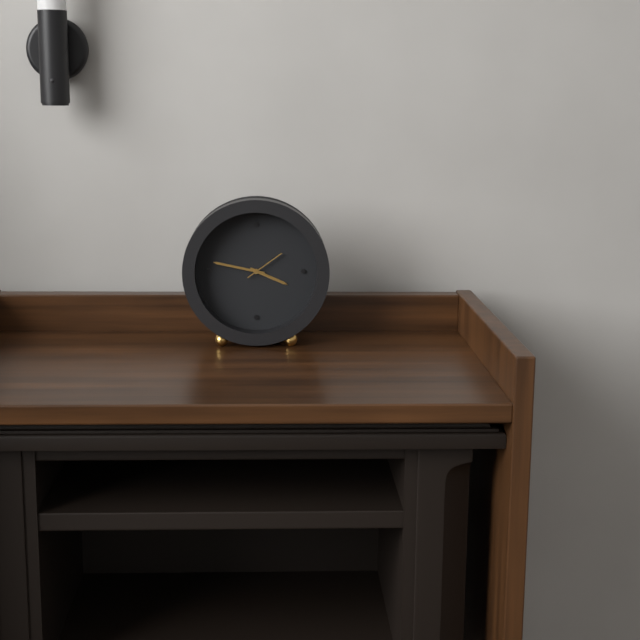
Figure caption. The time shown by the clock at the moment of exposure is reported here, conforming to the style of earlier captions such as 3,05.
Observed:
3,47
